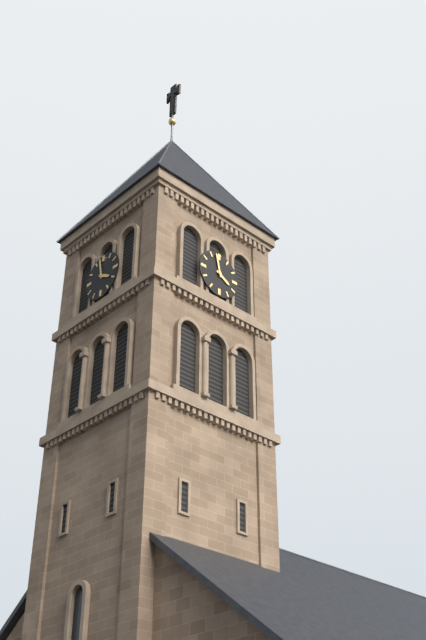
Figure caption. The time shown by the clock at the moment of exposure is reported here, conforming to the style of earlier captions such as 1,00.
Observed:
3,58
